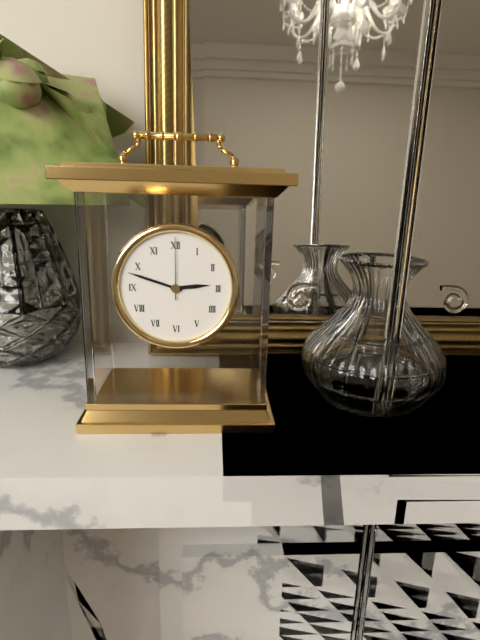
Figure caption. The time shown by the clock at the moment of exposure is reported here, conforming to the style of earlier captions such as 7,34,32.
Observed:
2,48,00
